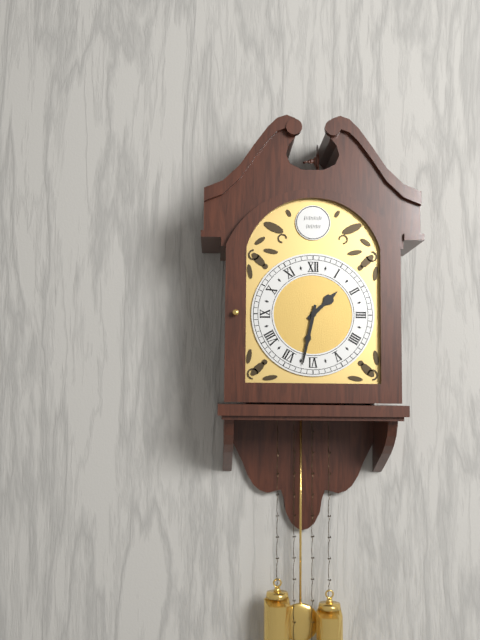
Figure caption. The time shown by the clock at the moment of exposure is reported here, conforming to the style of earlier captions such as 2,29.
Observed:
1,32
